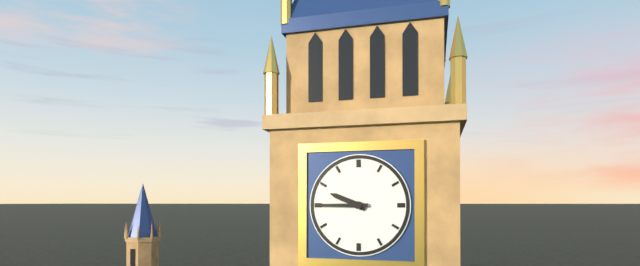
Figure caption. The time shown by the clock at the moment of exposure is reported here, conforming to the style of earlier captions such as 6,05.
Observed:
9,45
